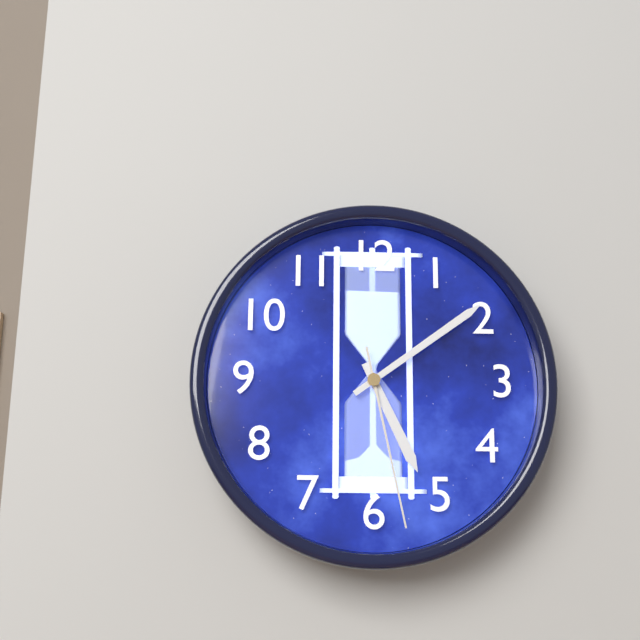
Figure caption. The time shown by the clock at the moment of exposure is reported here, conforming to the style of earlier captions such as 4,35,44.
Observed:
5,09,28
